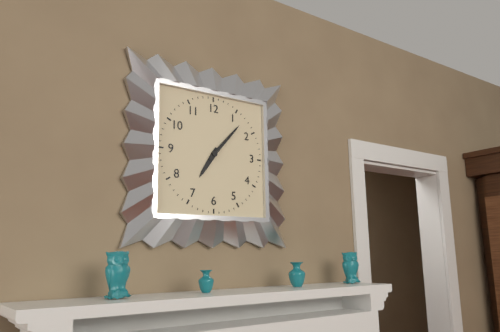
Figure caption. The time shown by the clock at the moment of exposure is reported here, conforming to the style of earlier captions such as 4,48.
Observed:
7,07
